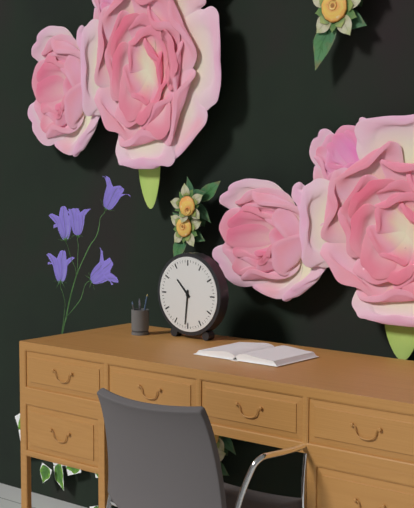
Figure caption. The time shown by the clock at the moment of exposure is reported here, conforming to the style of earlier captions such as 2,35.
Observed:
10,31
